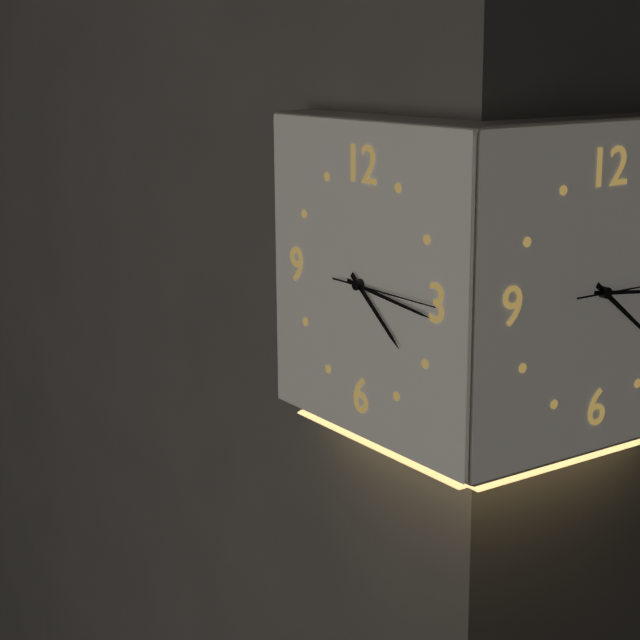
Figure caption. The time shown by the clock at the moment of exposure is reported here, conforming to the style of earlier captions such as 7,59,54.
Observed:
4,16,15
